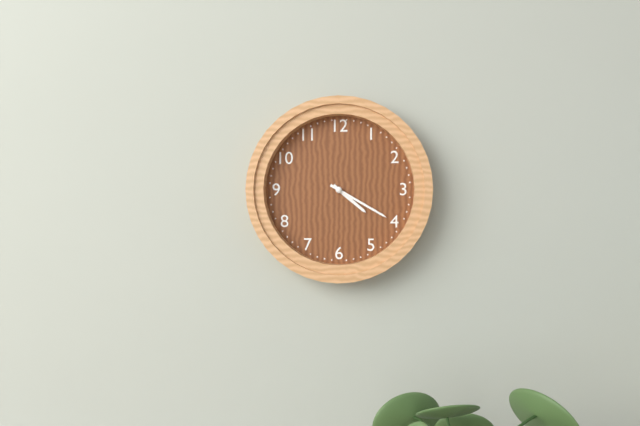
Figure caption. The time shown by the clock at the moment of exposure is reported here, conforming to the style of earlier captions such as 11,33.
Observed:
4,20
